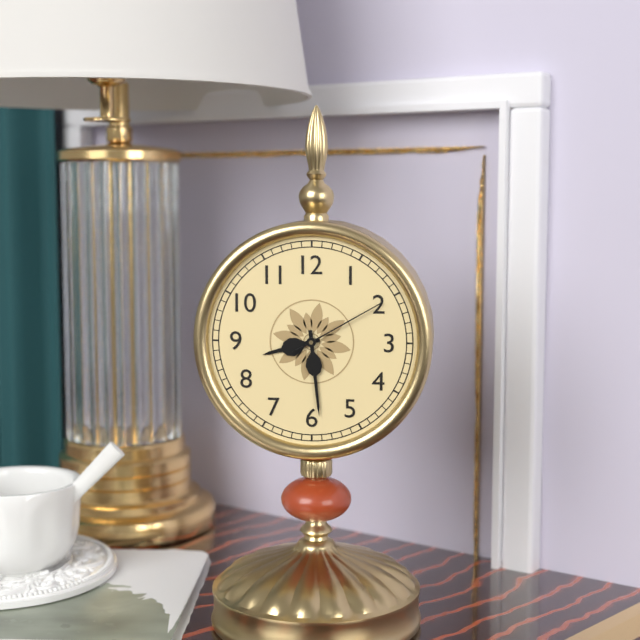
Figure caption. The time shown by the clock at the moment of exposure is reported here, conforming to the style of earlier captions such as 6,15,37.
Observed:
8,29,10
